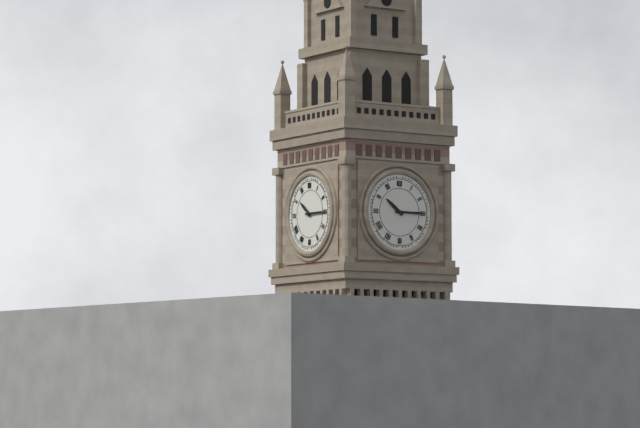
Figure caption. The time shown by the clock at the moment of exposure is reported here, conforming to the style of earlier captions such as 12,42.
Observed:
10,15
